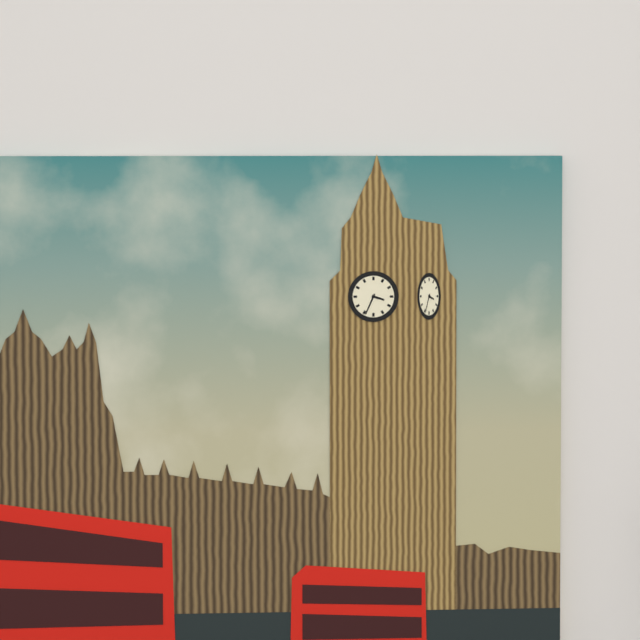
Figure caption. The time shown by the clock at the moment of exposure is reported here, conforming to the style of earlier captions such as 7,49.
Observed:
3,34
